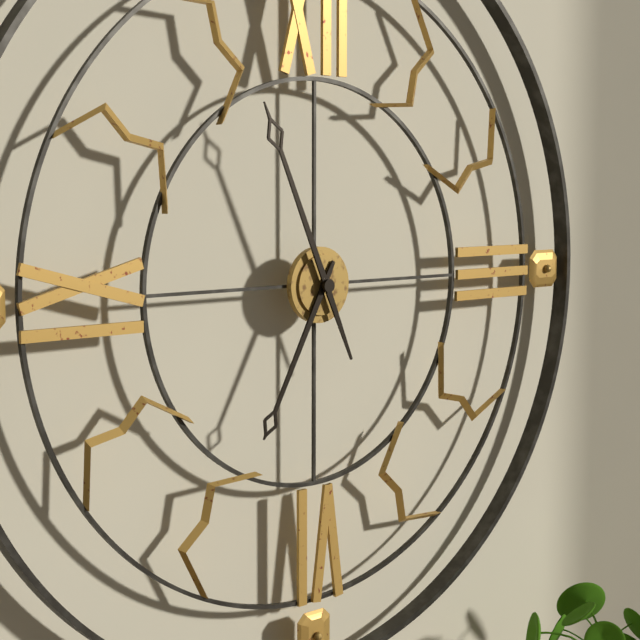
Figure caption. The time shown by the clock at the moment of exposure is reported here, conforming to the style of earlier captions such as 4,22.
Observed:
6,56
